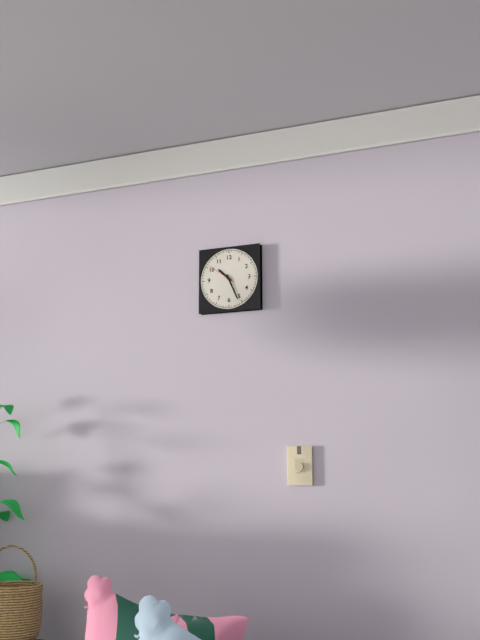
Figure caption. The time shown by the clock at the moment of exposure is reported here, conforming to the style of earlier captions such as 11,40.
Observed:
10,26
